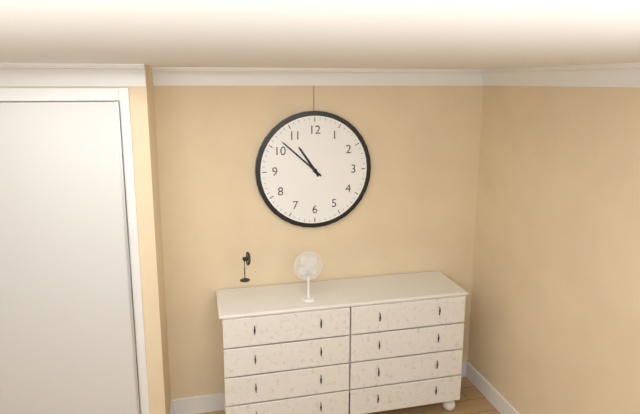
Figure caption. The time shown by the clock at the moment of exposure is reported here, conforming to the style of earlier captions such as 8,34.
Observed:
10,52
